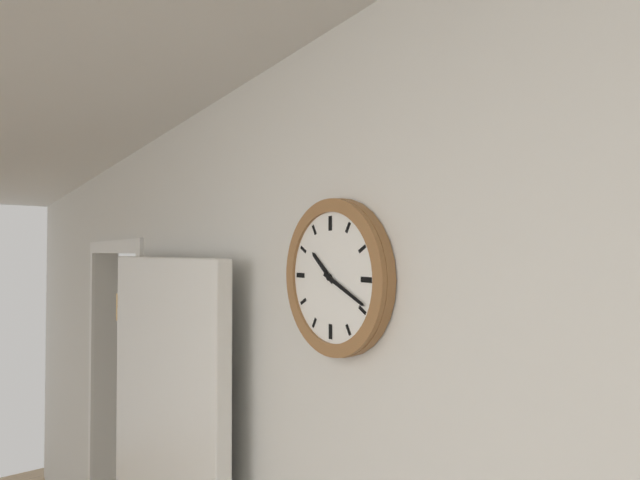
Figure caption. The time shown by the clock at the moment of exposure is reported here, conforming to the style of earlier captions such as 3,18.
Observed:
10,19
